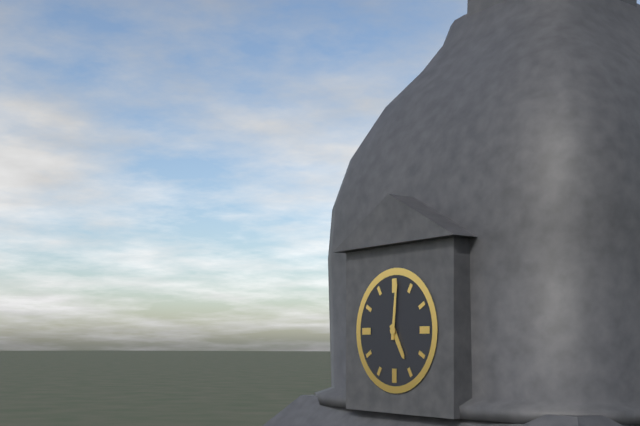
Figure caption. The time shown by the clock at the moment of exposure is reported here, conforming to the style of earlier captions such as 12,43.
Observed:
5,01
